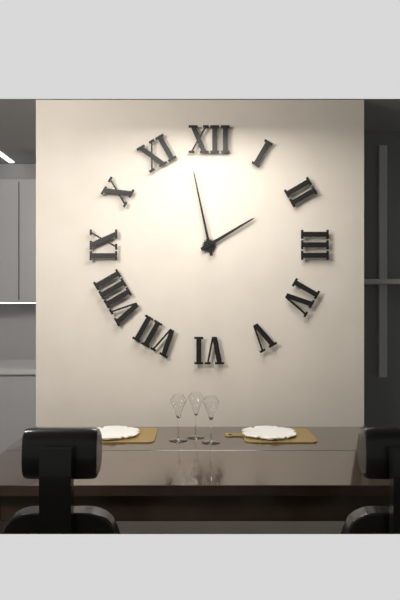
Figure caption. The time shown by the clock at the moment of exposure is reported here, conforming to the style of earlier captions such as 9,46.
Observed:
1,58
